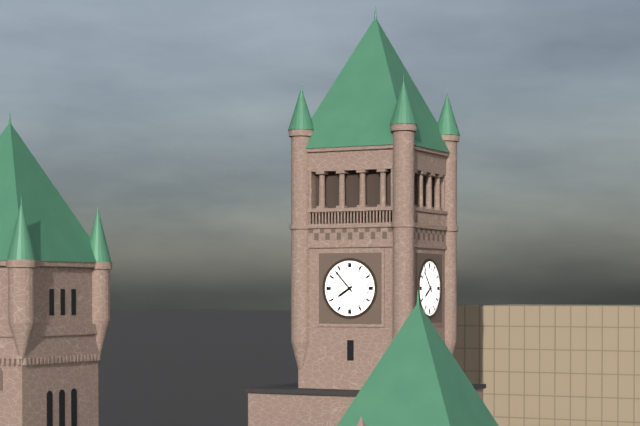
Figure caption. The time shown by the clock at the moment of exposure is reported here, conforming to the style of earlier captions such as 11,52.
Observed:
7,53
